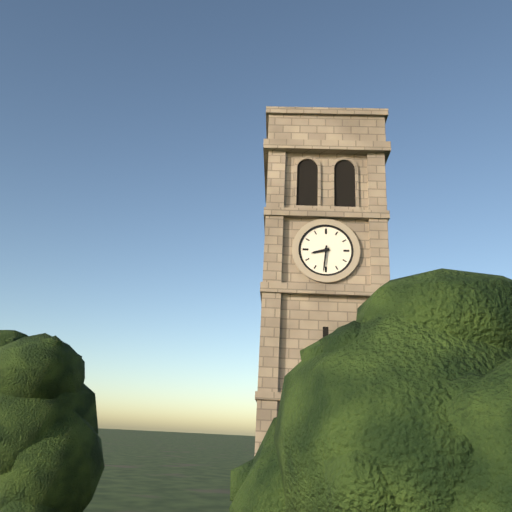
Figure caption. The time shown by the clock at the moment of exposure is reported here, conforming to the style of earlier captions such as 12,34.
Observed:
8,31
